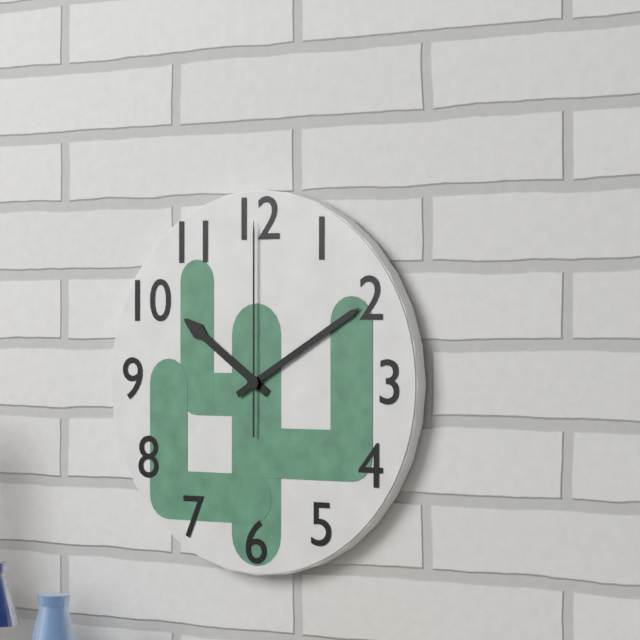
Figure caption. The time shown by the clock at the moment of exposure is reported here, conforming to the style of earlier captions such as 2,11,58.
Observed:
10,10,00
